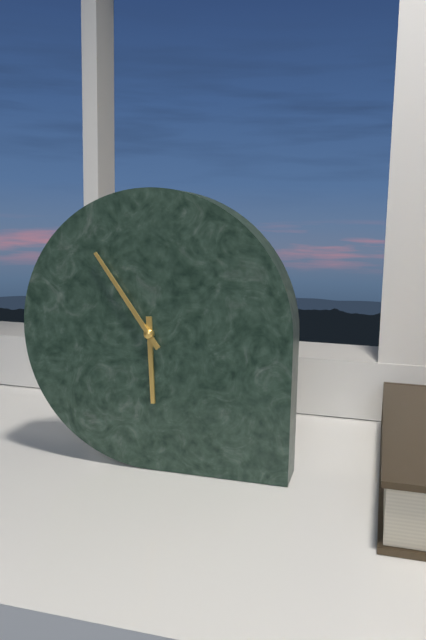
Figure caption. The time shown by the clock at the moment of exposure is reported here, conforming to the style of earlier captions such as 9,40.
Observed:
5,54
